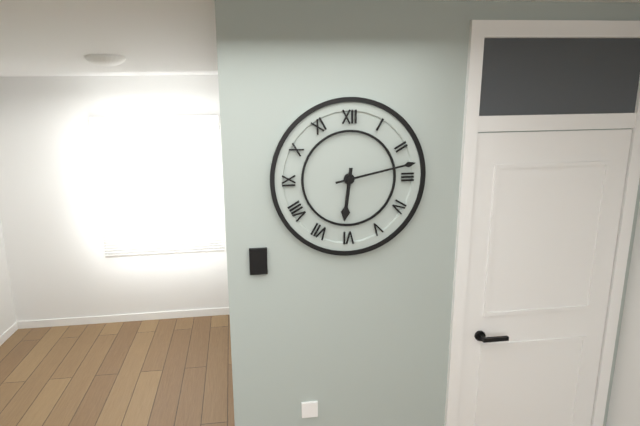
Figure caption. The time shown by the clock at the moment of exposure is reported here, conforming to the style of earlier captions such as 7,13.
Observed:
6,13
